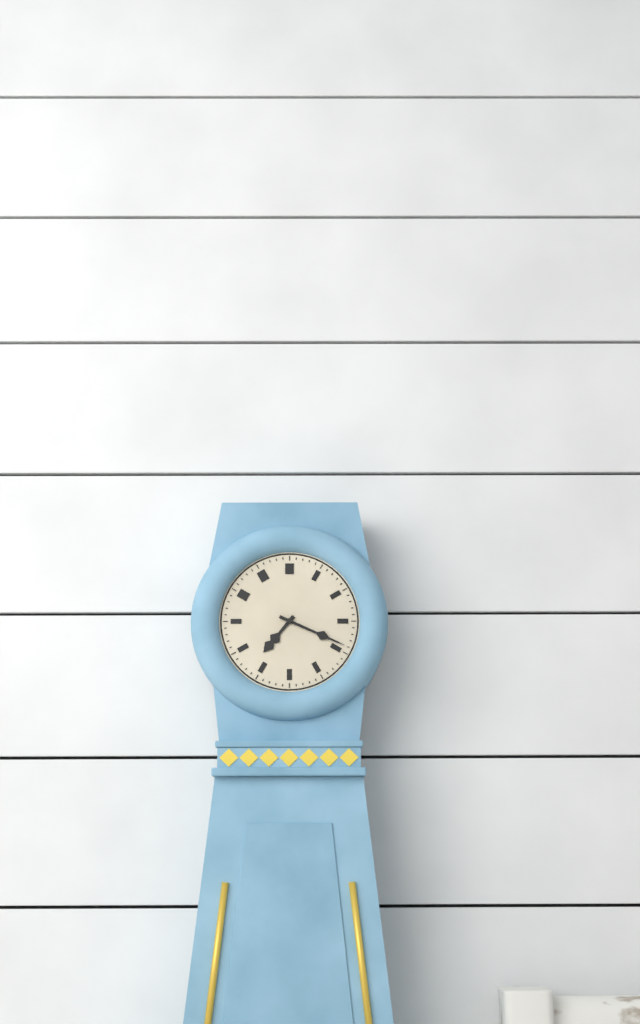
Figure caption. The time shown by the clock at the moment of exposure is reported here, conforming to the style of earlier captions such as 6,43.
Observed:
7,19
